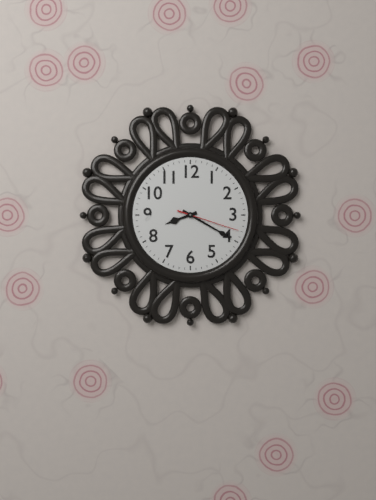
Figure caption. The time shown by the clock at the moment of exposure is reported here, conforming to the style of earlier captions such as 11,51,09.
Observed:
8,20,18
